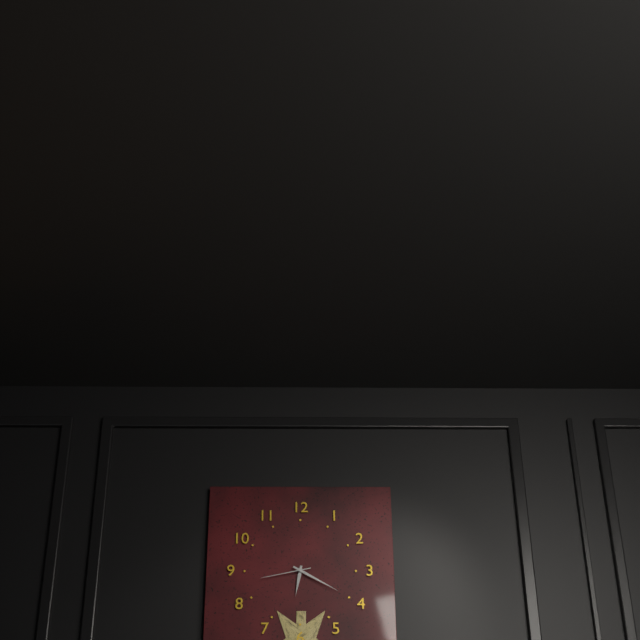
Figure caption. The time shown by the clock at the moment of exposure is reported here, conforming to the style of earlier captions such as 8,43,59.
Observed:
6,20,43
